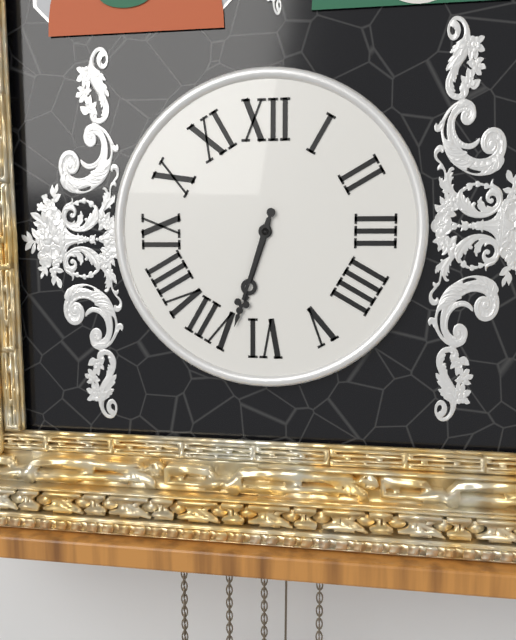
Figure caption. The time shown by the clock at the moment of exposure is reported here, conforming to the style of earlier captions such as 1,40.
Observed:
6,33
